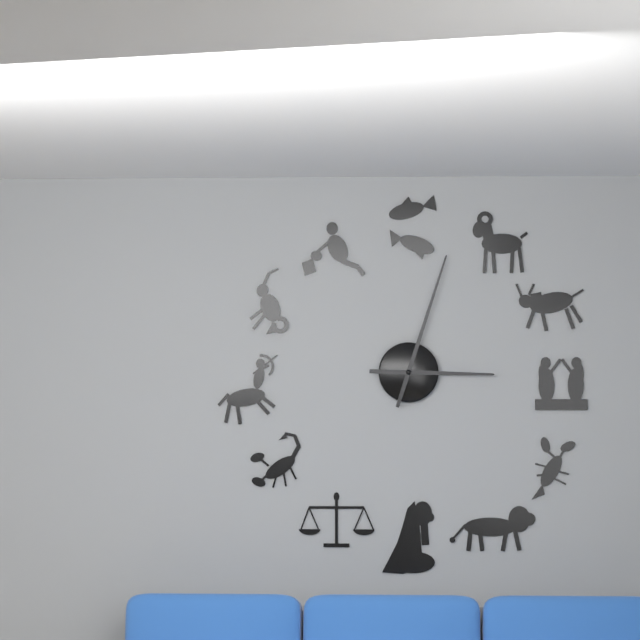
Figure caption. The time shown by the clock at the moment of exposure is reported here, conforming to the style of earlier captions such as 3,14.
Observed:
3,03
